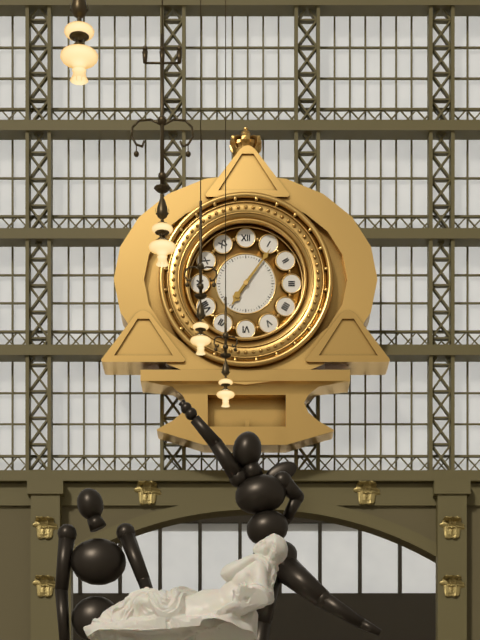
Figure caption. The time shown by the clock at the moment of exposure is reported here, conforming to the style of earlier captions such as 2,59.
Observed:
7,06
